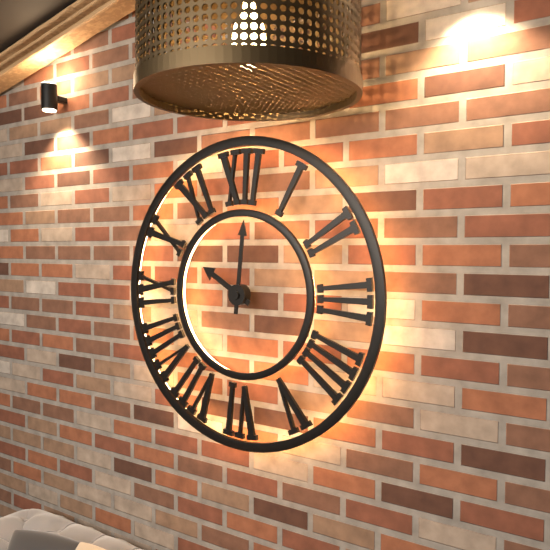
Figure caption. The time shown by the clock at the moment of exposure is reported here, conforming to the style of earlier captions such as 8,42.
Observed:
10,01
